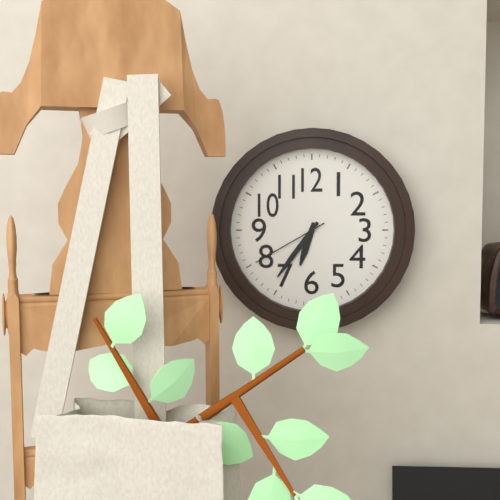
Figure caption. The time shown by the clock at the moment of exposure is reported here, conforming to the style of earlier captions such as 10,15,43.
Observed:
6,36,40
